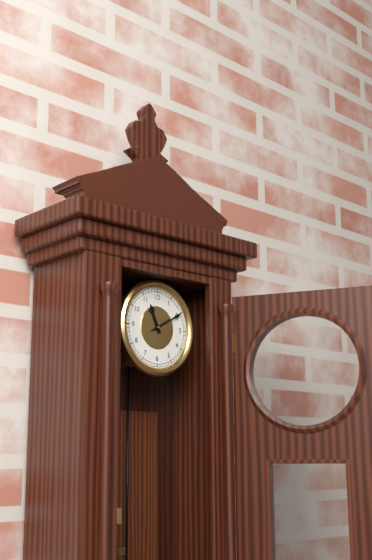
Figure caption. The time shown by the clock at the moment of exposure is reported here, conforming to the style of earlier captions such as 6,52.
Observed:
11,10
